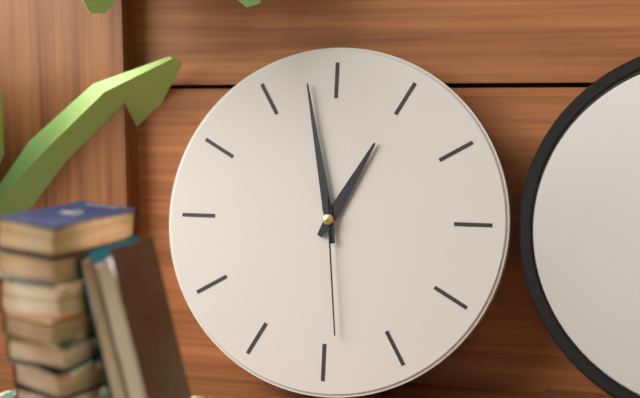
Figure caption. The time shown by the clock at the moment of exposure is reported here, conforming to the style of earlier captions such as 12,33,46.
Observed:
12,58,29
